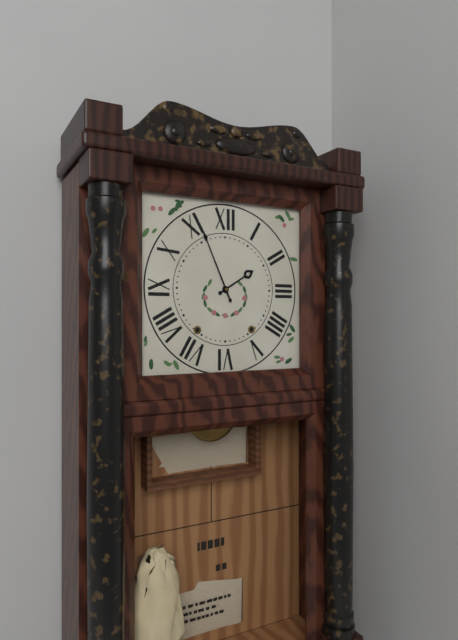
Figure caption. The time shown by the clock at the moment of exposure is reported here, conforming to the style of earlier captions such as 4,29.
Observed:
1,56
